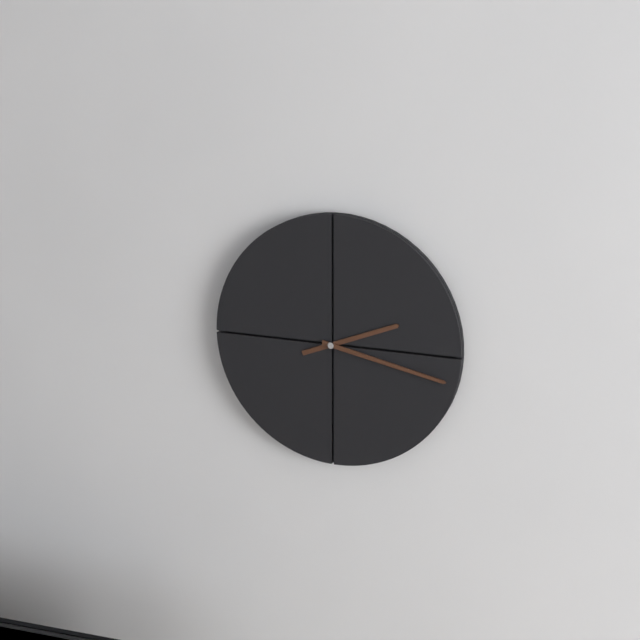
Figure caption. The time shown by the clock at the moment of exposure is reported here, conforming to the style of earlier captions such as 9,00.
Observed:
2,17
